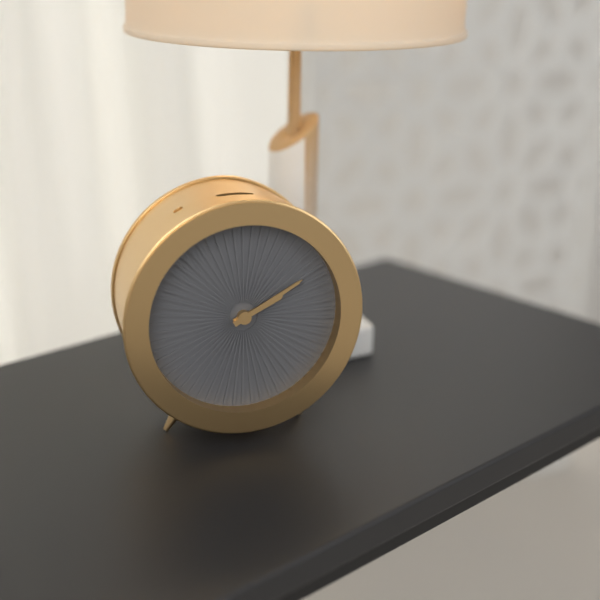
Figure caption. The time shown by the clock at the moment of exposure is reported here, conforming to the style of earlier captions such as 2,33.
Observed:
2,10
